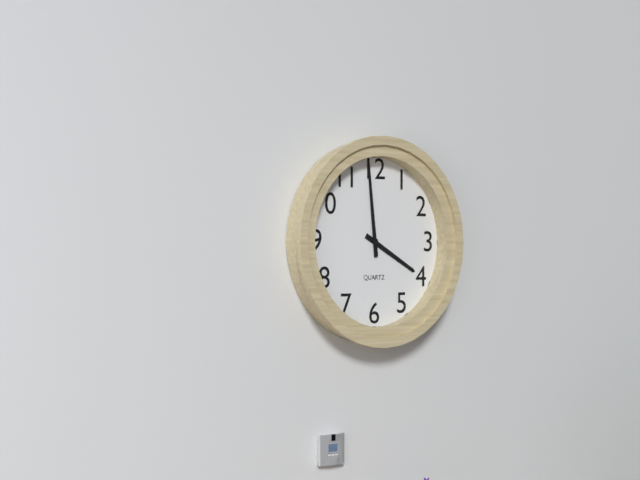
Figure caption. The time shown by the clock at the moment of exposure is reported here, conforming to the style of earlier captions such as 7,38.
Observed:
3,59
